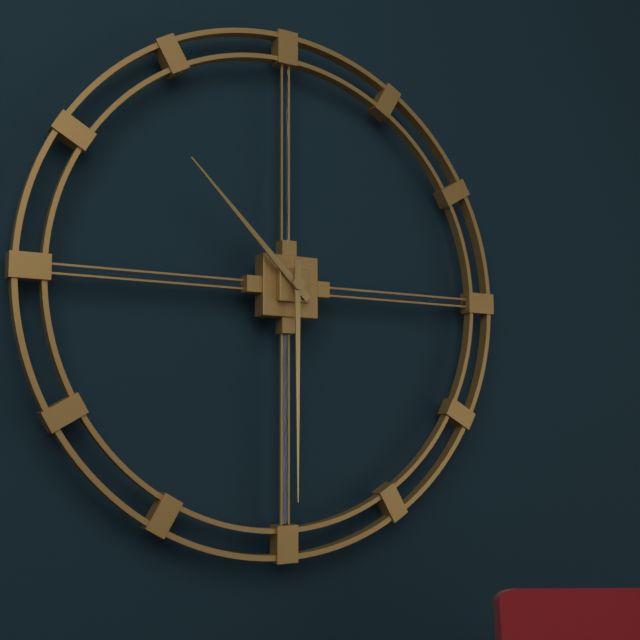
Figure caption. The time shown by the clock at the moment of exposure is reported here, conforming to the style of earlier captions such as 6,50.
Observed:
10,30
